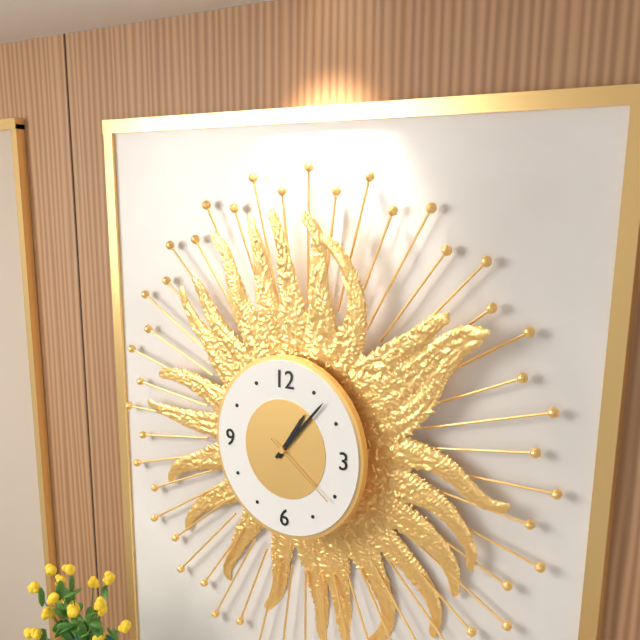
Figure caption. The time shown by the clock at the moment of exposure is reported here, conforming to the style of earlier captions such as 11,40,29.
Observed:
1,07,21
